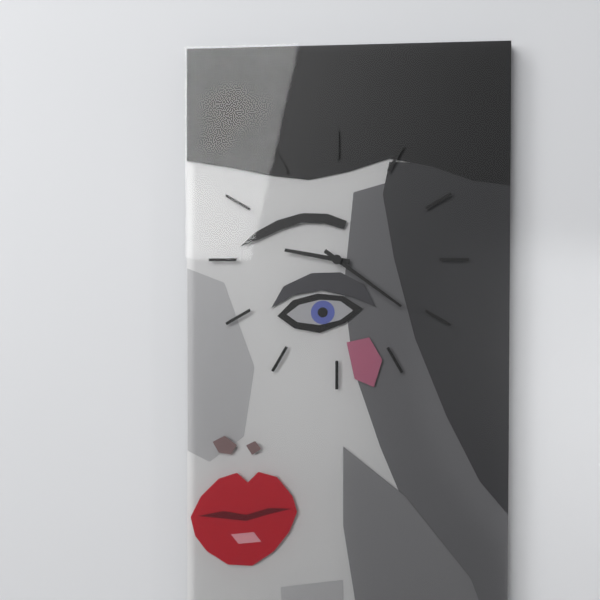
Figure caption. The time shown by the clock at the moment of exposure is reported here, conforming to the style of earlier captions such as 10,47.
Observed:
9,21
